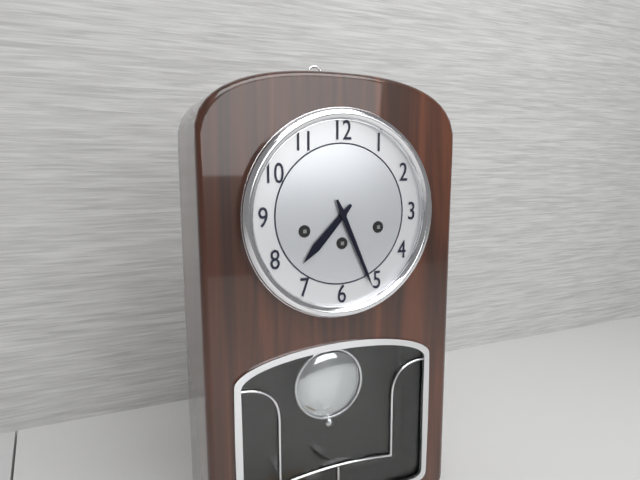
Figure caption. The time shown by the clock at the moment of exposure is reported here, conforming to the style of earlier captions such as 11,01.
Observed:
7,26
